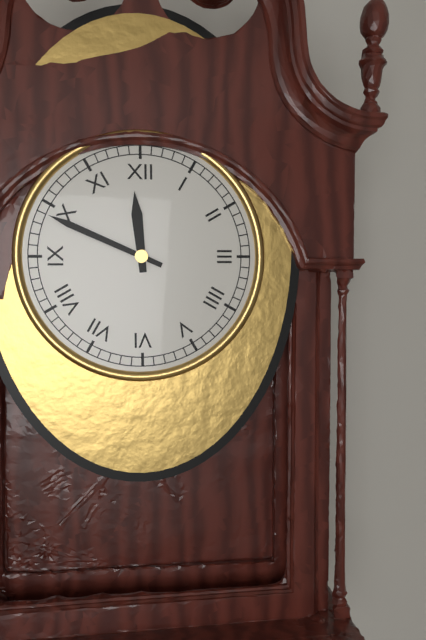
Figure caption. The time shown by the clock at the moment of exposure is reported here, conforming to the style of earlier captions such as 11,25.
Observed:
11,49
